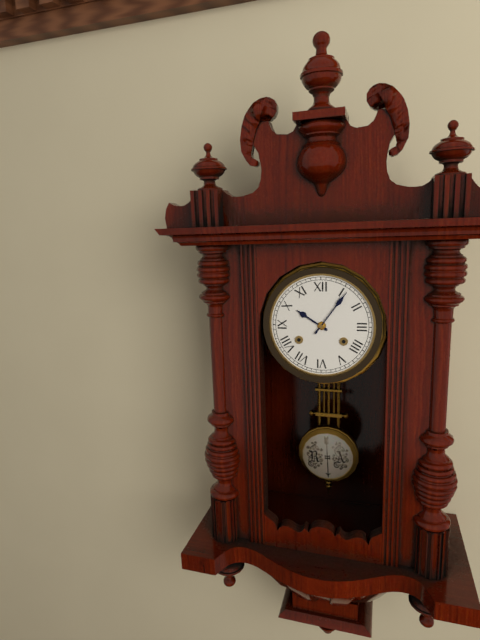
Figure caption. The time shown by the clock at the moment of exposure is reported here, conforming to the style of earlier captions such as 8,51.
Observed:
10,06
